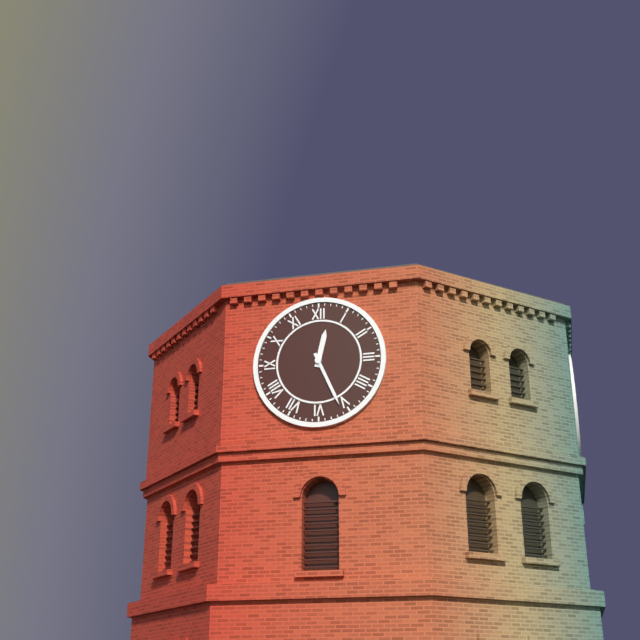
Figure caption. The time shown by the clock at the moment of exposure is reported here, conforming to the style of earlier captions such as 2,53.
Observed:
12,26
